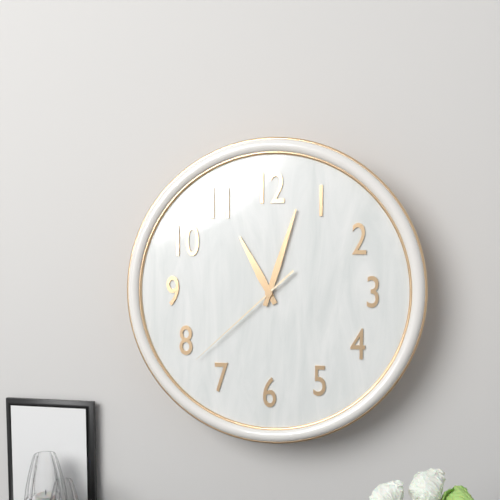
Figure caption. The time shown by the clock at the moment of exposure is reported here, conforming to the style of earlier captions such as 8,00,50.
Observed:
11,03,38
